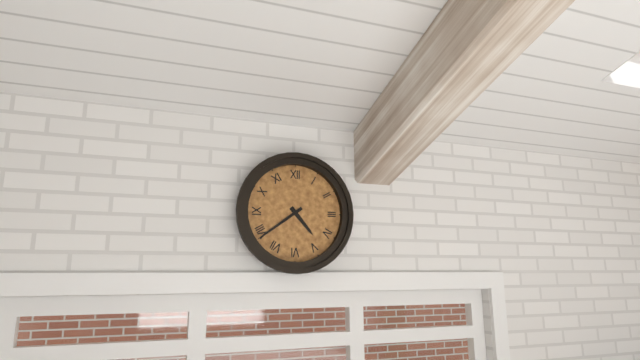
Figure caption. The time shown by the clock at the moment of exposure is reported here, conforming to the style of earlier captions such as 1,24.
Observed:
4,39
